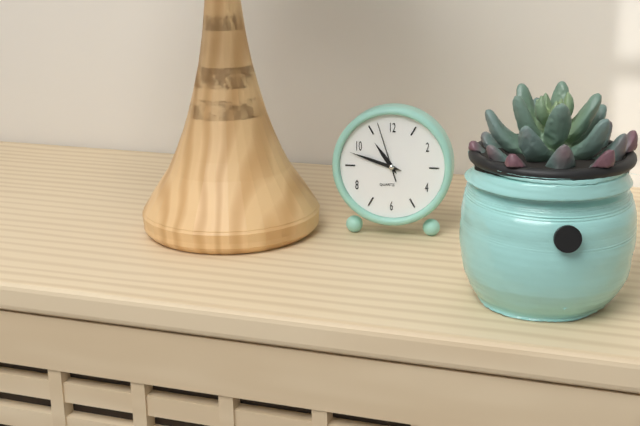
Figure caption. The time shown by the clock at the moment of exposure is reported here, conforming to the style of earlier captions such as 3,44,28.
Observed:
10,48,57
